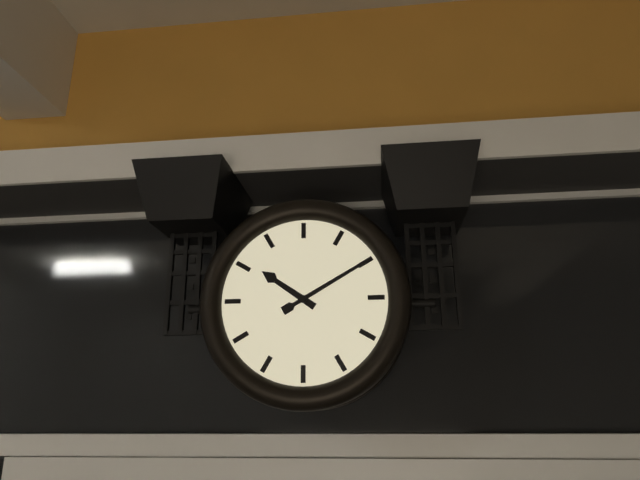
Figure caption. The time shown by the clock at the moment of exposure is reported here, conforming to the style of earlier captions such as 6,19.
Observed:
10,10
